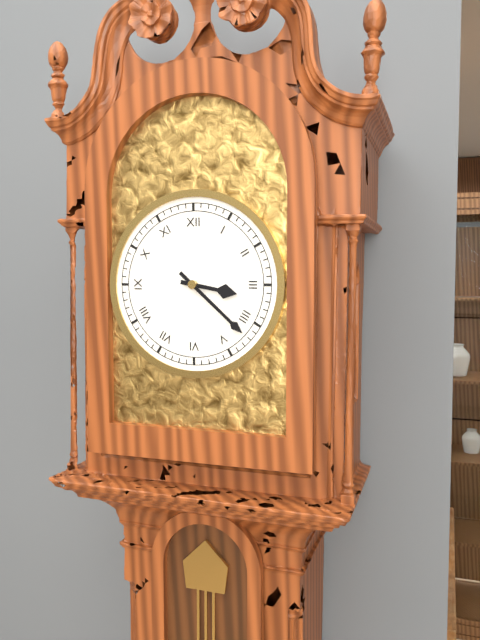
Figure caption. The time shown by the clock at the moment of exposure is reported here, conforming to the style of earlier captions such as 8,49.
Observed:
3,22
